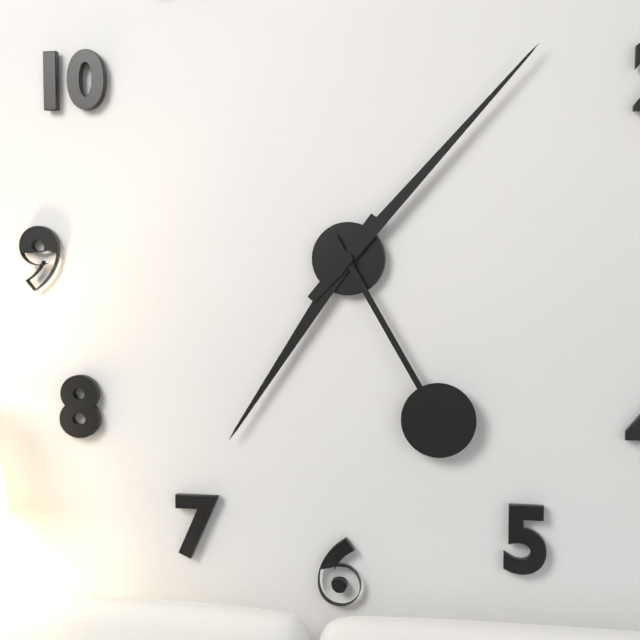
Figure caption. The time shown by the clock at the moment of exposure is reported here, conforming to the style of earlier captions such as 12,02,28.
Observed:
7,07,25
